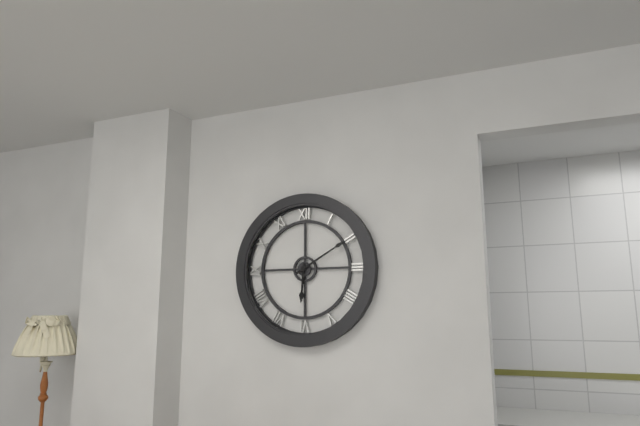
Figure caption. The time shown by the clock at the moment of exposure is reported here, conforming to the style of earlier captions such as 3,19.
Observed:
6,10
